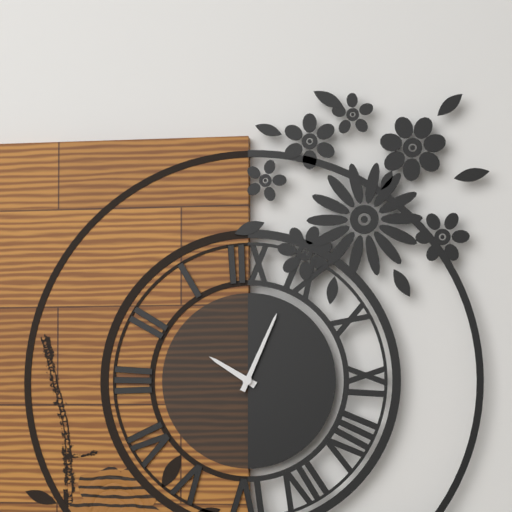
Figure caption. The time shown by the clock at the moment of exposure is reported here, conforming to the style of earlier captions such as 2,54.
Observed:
10,04
